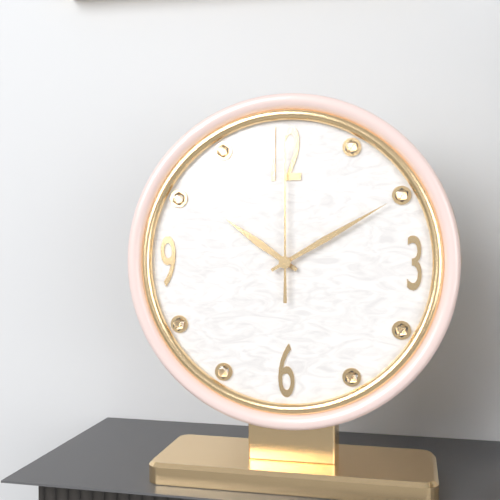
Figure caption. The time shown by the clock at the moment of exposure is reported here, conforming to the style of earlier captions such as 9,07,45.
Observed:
10,10,00
